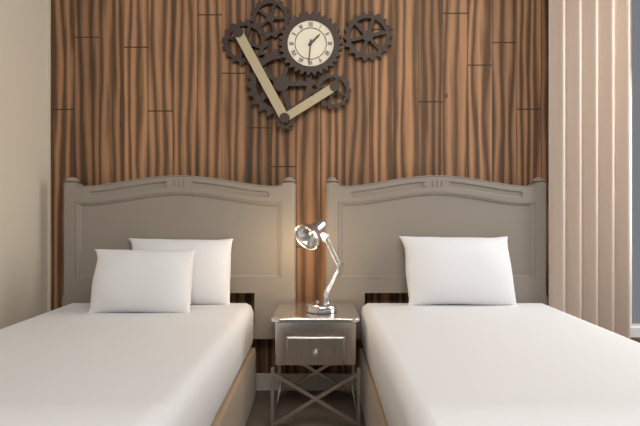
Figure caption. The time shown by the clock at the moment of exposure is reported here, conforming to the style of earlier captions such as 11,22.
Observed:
1,31
